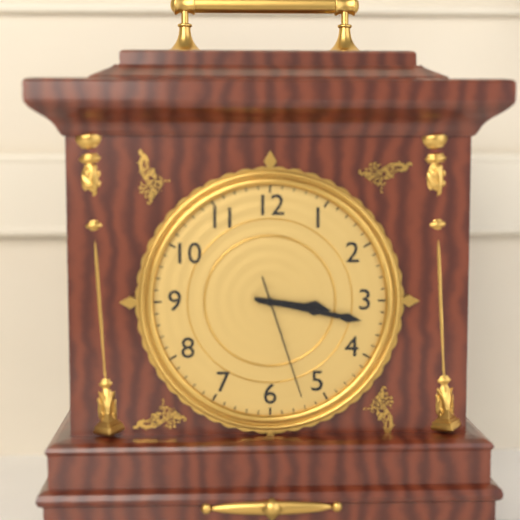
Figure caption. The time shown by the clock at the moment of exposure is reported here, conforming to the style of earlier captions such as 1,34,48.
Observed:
3,17,27
